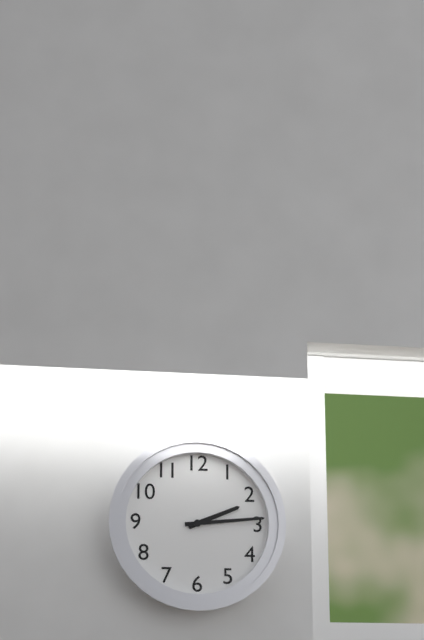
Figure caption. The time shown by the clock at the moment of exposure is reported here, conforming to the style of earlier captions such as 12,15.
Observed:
2,14
